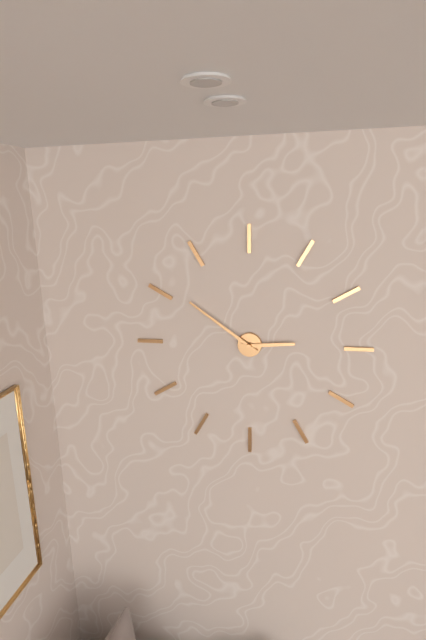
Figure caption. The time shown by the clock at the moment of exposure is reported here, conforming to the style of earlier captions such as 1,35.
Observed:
2,51
